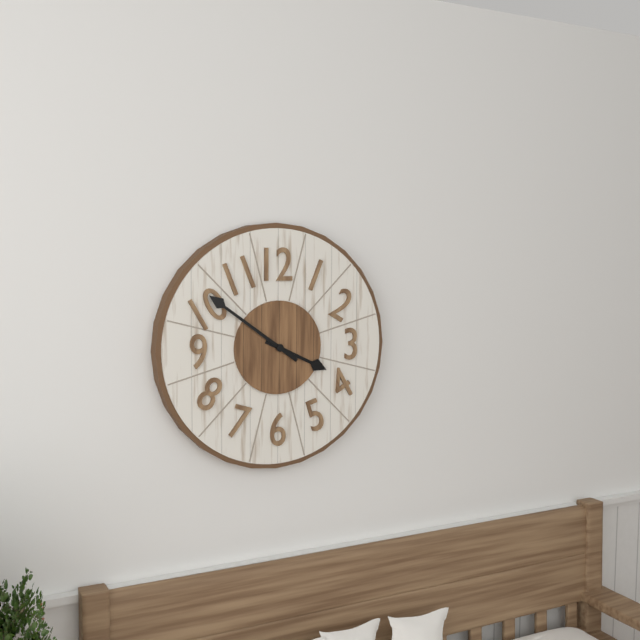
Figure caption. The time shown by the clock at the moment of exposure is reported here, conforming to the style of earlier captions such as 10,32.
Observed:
3,51
